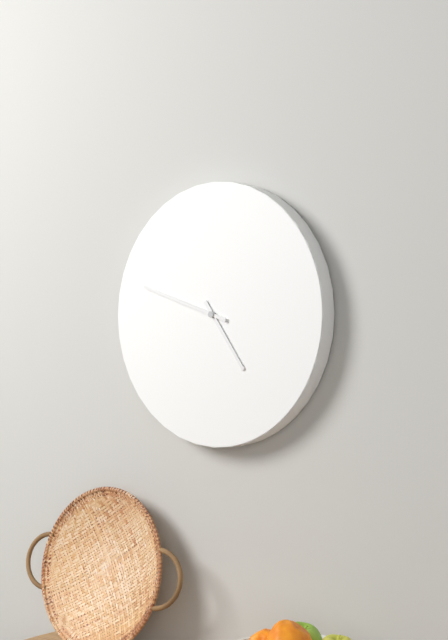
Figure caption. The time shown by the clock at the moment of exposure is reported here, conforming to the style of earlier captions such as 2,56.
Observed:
4,48
